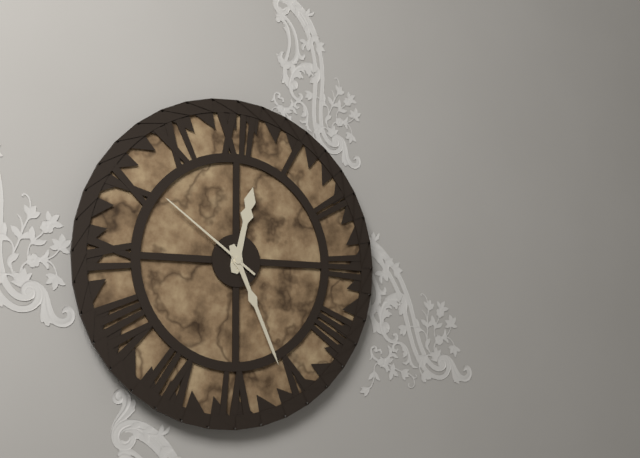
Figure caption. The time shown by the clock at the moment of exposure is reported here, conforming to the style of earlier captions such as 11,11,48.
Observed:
12,26,51
